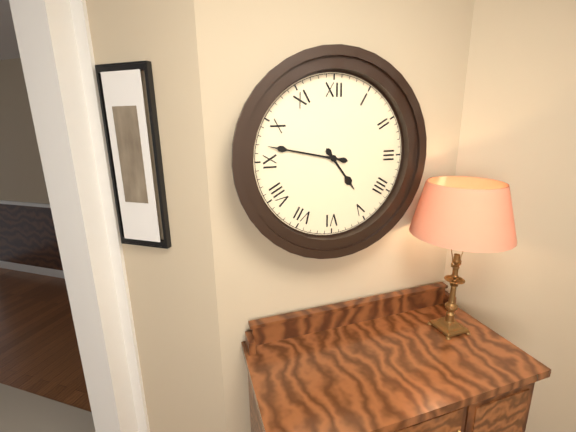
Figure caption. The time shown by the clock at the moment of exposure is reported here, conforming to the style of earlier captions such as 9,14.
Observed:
4,47
